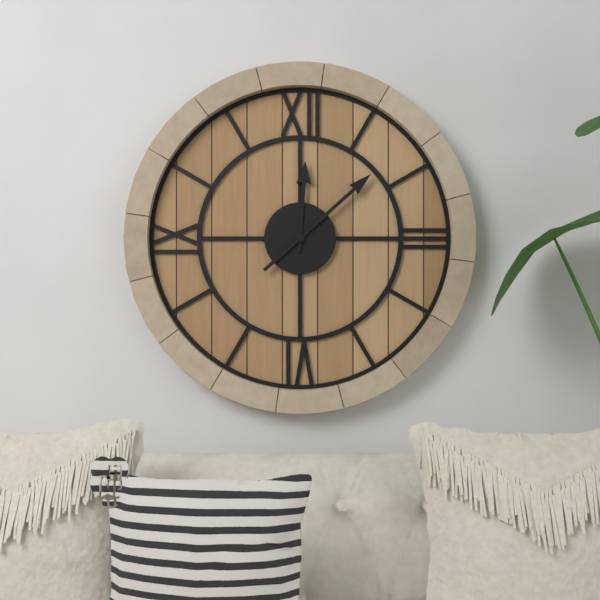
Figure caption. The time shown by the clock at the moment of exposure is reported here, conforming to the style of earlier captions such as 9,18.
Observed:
12,08
